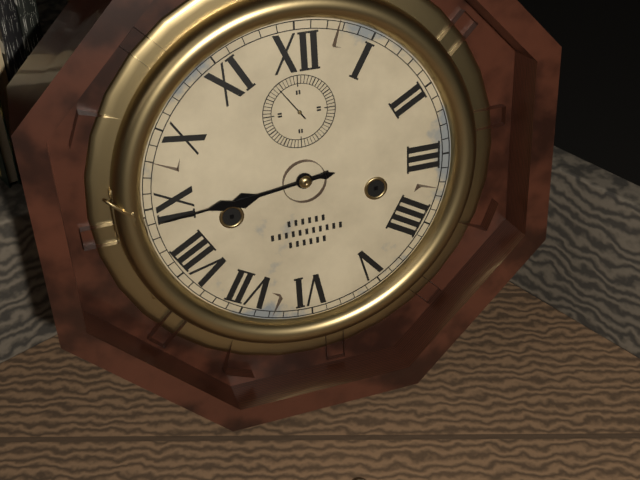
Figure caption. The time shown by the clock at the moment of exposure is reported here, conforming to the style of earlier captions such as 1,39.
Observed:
8,44
